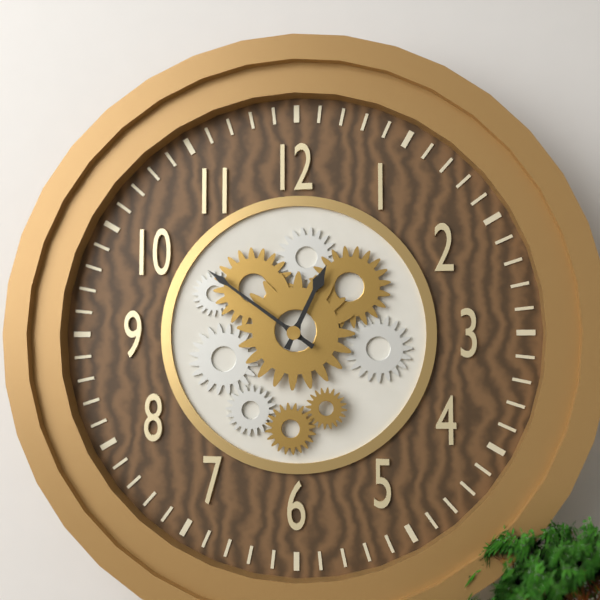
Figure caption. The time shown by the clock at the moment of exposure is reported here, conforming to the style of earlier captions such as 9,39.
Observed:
12,51
